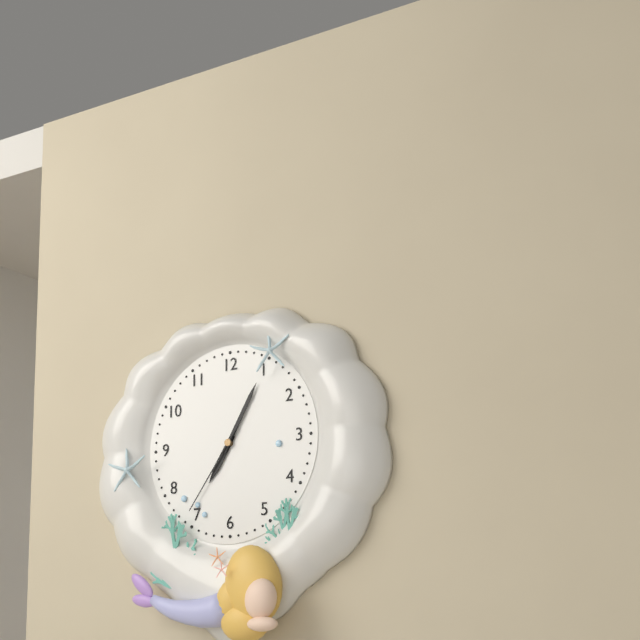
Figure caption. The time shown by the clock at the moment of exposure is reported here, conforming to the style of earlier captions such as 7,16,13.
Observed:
7,05,36
